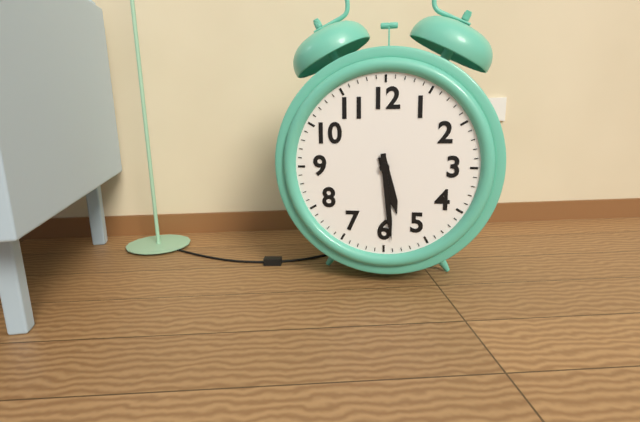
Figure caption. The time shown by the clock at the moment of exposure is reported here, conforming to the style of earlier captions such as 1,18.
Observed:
5,29
